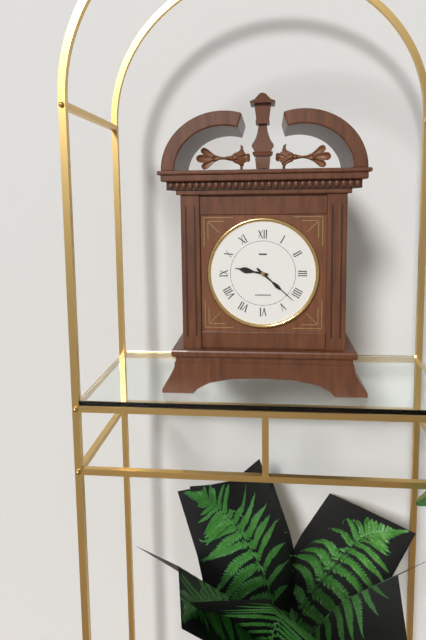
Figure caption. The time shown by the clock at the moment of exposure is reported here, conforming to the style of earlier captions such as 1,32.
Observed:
9,22
